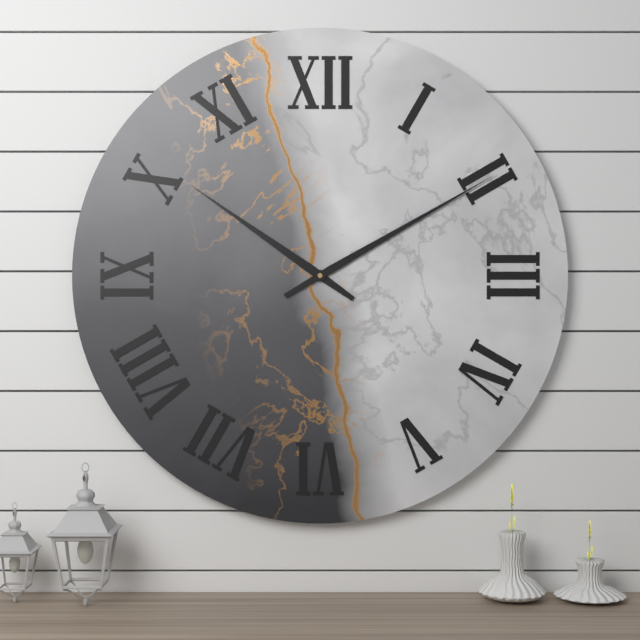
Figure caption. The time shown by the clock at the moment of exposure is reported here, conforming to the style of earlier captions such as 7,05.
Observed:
10,10
